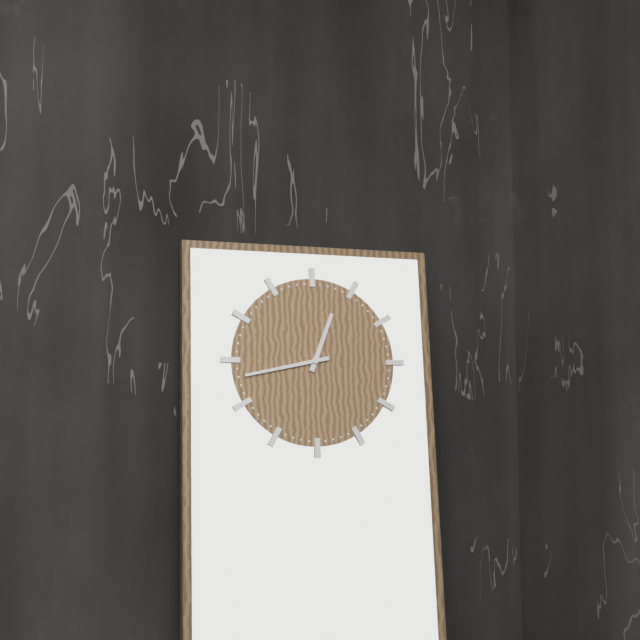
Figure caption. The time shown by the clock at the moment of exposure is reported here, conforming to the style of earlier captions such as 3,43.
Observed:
12,43
